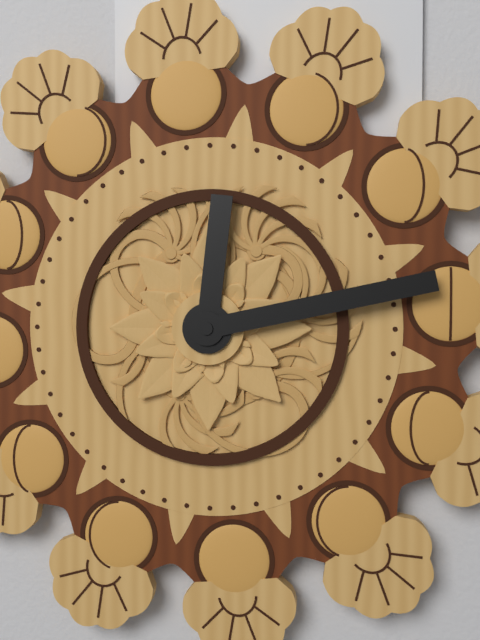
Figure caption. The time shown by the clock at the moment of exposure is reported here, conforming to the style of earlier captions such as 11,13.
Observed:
12,13
